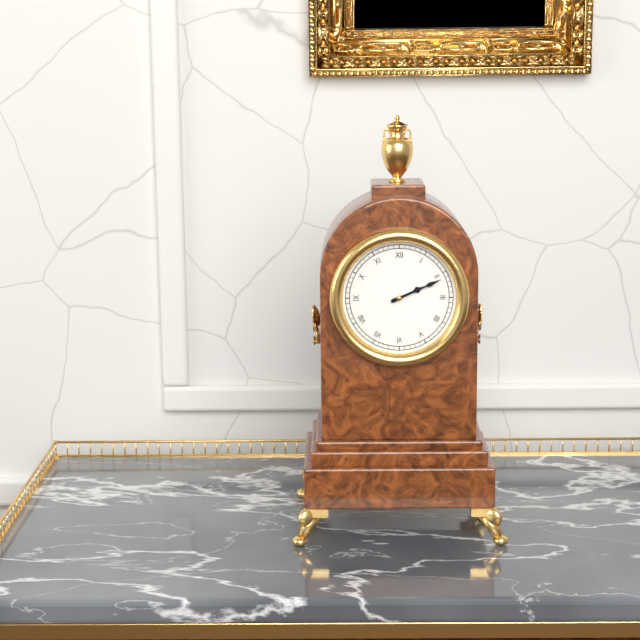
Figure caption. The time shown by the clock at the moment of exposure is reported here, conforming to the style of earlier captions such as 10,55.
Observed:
2,11
